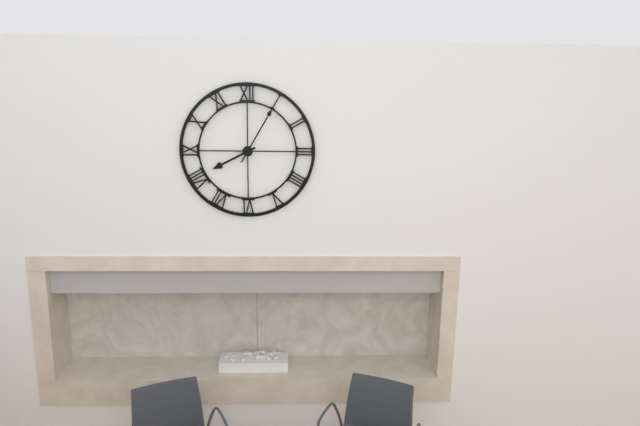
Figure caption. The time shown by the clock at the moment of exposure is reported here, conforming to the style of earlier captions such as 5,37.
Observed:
8,05
